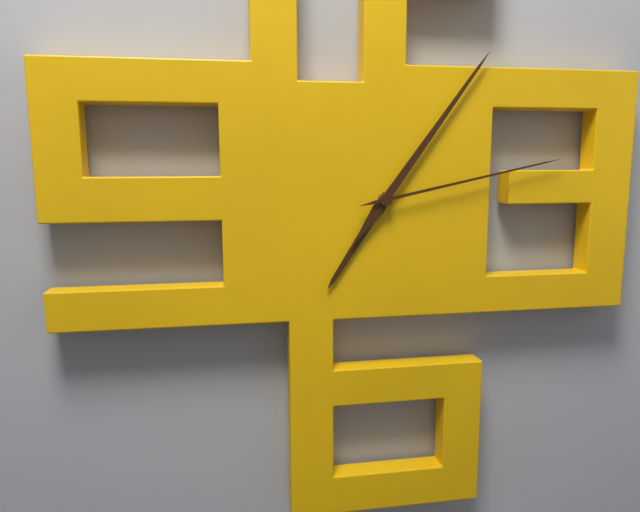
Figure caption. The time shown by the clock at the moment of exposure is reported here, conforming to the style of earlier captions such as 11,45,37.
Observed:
7,06,13
